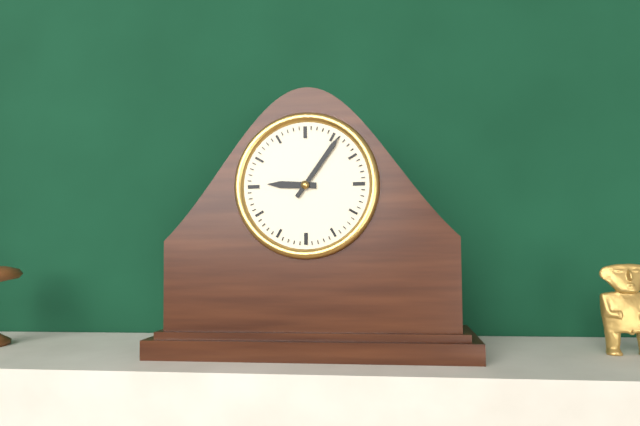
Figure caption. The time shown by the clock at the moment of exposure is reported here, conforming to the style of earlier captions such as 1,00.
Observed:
9,06
